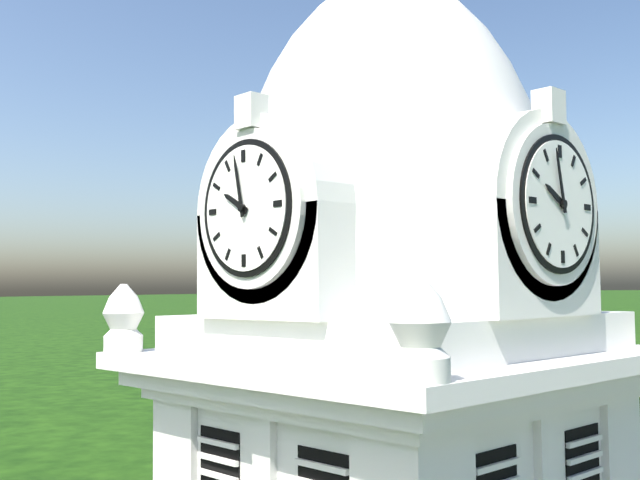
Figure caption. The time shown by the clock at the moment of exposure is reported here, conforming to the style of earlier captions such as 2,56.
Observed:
9,58
